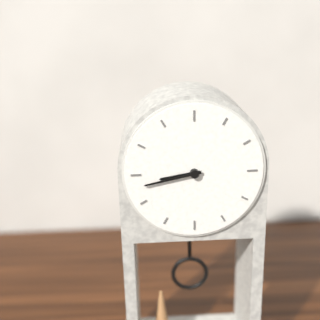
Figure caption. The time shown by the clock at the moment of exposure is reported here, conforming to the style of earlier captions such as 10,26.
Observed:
8,43
